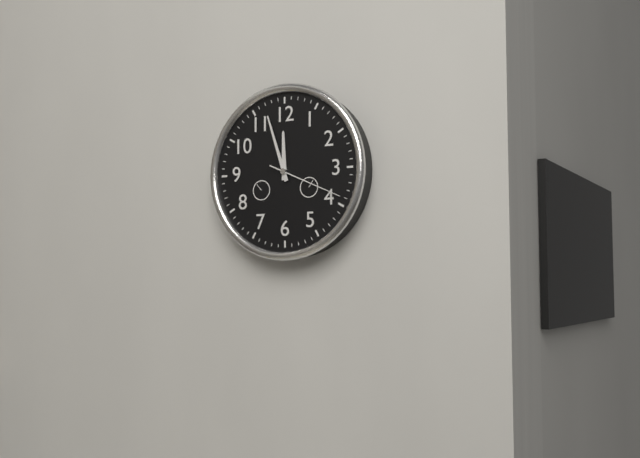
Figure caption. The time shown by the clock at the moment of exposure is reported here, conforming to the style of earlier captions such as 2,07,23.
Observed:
11,57,19
